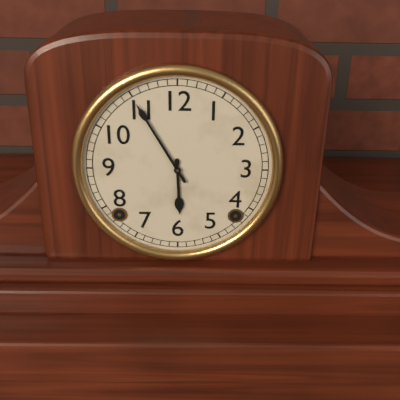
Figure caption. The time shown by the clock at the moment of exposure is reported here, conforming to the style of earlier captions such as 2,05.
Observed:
5,55
